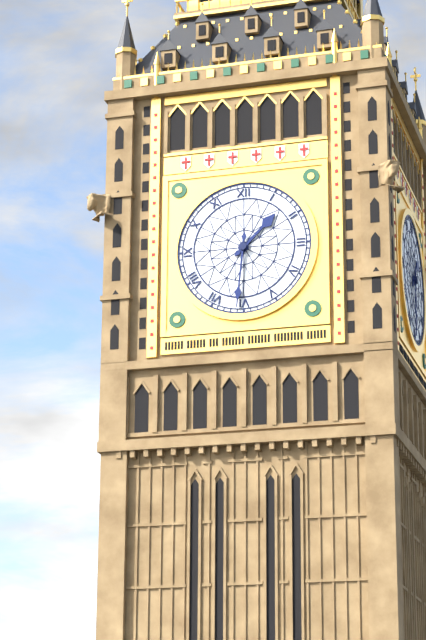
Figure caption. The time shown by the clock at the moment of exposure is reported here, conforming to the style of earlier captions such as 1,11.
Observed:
1,31
